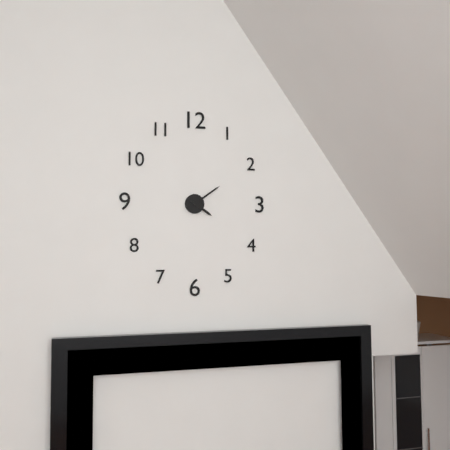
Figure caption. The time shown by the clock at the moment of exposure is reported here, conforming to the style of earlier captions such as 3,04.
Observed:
4,09
